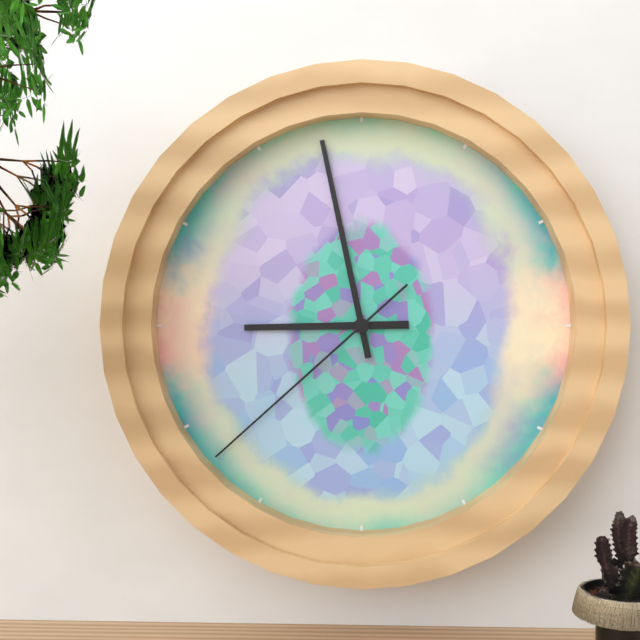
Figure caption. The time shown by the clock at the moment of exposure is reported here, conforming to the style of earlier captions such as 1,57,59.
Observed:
8,58,38
